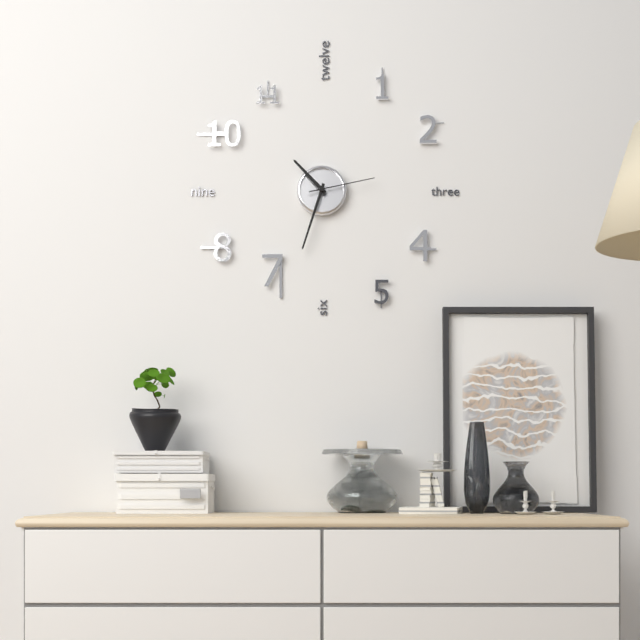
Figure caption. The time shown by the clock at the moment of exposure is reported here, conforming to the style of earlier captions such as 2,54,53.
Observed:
10,33,13
